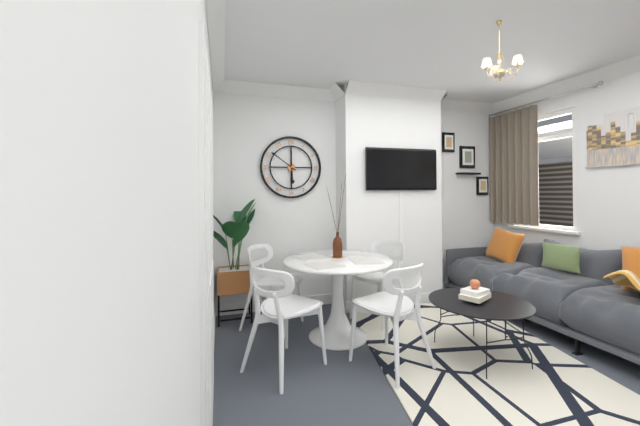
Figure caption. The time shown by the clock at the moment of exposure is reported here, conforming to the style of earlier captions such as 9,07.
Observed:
5,51
